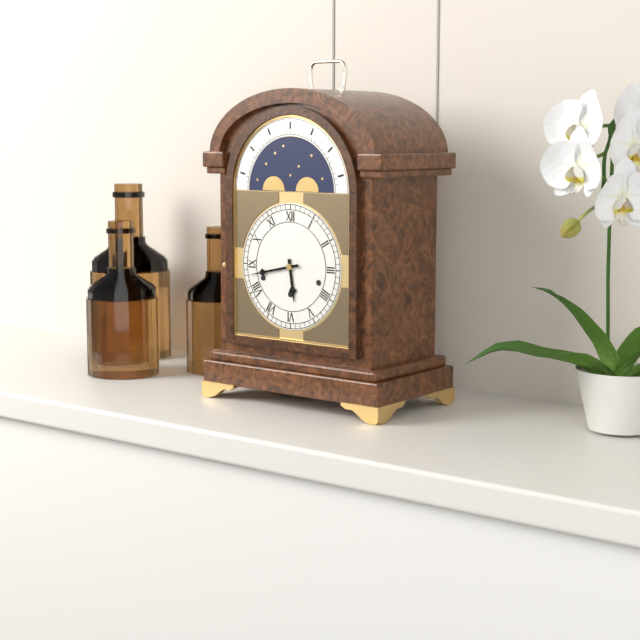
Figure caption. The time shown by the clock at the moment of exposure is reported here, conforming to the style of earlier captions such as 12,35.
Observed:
5,43
